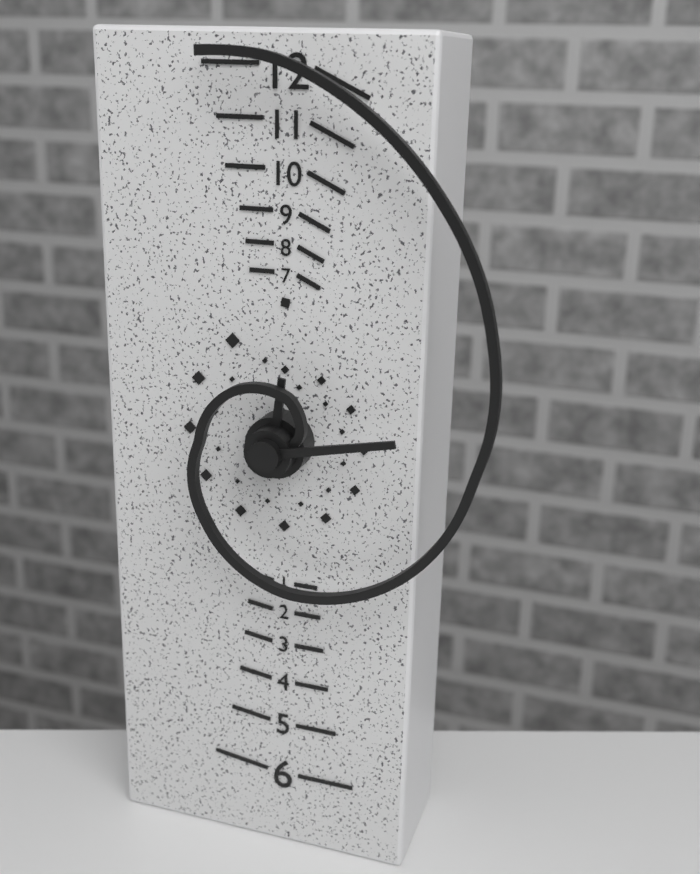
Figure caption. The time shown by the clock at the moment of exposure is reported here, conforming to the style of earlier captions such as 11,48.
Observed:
12,13
